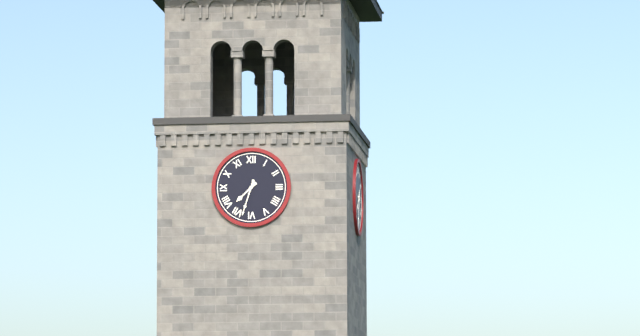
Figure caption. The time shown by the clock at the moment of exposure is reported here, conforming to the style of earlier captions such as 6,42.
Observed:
7,33
